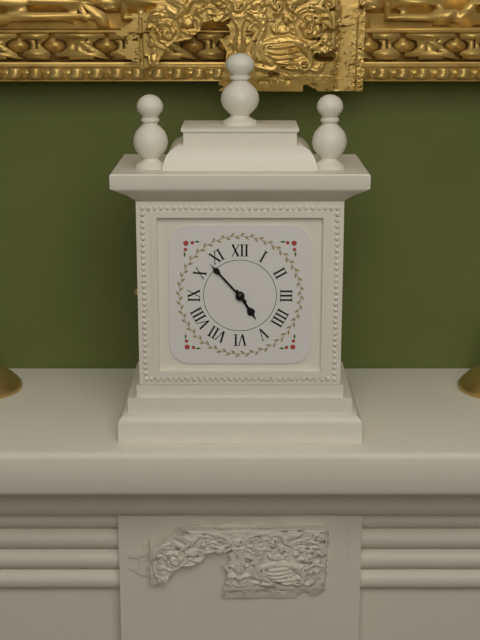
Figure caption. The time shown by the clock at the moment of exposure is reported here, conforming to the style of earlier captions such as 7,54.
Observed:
4,53
